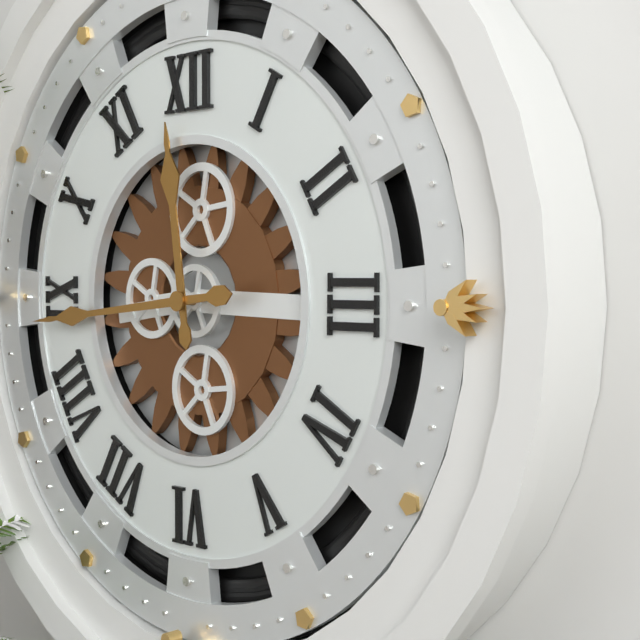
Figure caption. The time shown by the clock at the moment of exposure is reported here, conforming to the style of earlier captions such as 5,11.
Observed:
11,44
